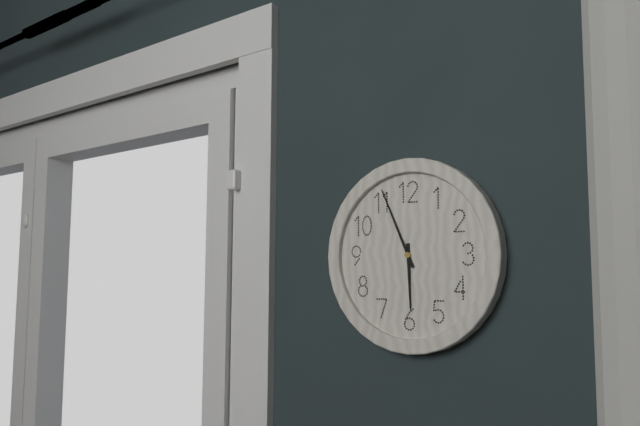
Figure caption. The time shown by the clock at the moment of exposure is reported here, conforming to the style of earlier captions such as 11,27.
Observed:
5,56
